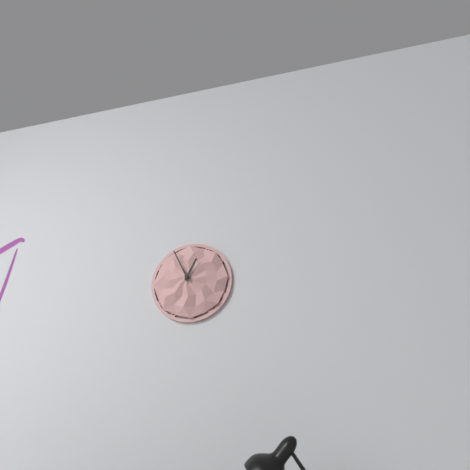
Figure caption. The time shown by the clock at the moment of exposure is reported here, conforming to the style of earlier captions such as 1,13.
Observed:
12,56
